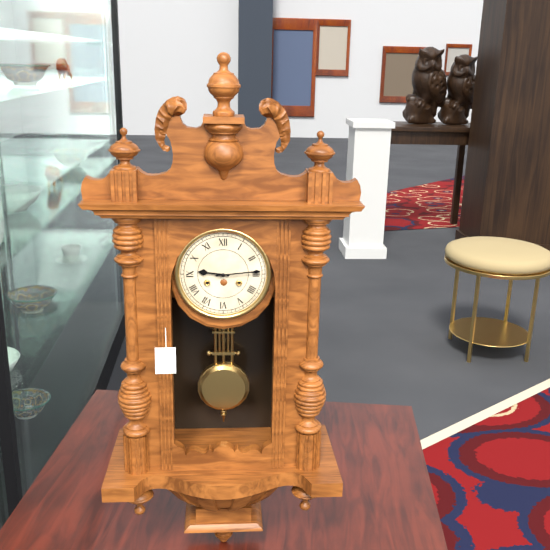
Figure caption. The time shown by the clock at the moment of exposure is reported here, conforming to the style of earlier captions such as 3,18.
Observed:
9,14
